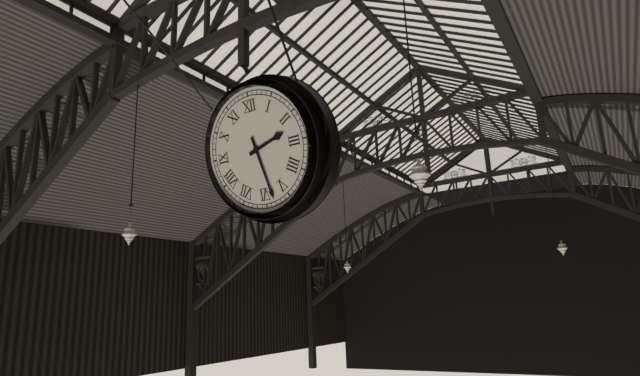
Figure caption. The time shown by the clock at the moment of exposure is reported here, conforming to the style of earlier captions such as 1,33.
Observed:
2,28
